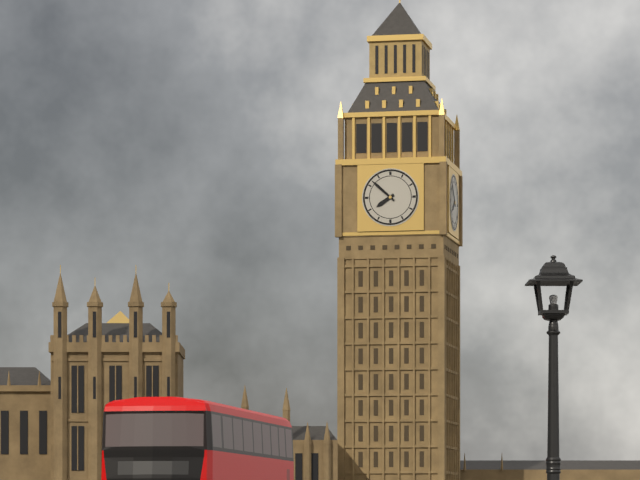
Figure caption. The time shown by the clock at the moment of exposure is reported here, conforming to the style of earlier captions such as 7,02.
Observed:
7,52
